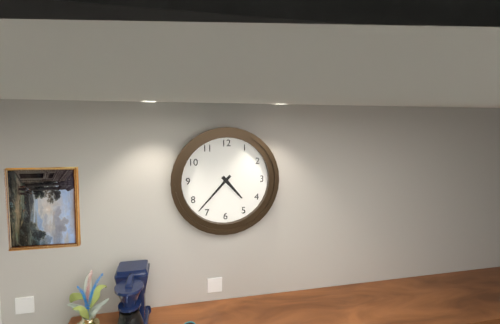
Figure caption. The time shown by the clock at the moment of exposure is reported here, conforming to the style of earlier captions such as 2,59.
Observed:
4,37
